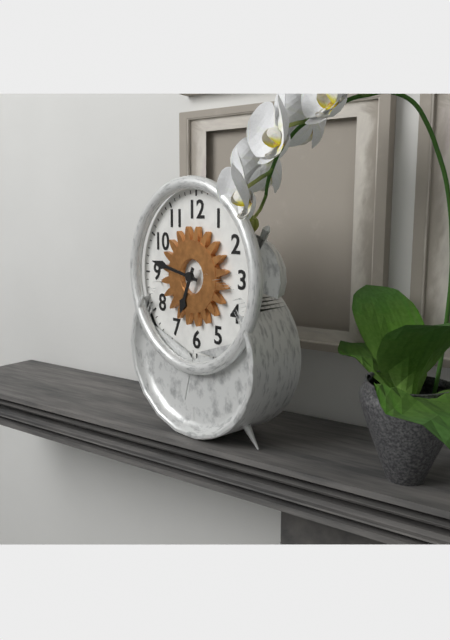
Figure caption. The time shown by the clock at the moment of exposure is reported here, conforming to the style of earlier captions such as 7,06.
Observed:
6,47
